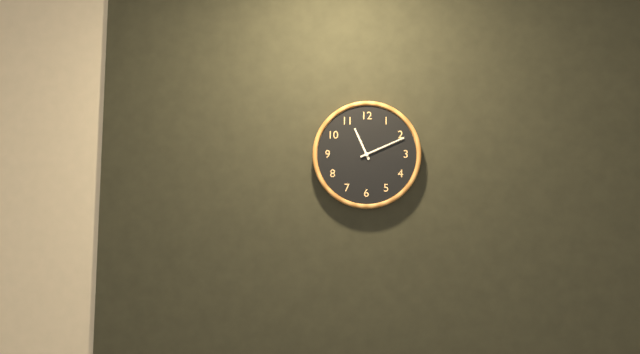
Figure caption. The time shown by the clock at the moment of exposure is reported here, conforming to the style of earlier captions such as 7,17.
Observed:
11,11
